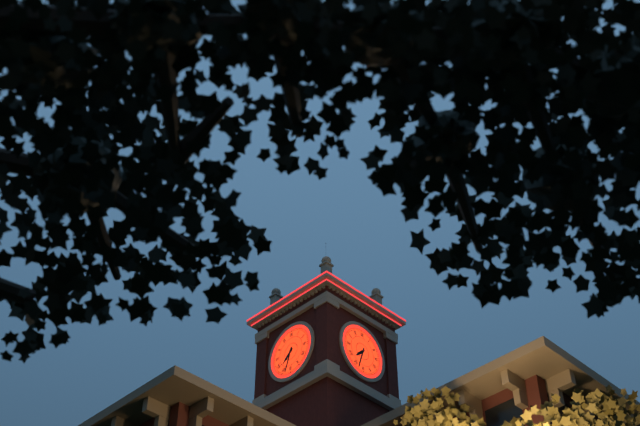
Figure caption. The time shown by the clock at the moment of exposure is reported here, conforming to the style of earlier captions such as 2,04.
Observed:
7,33
